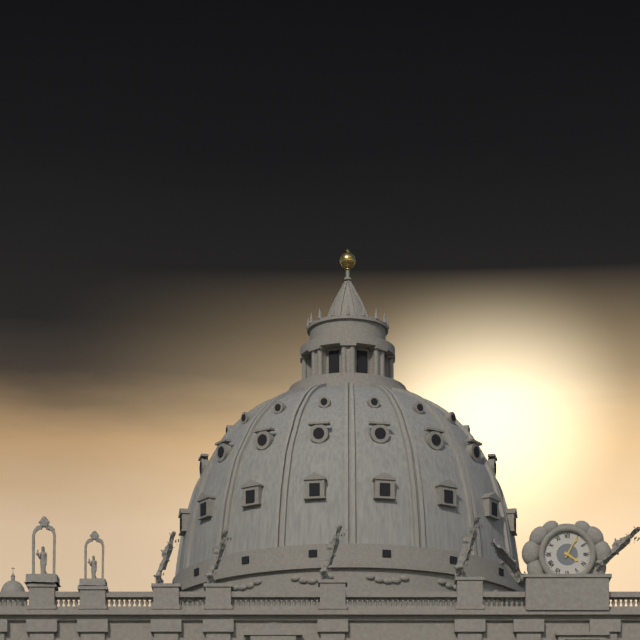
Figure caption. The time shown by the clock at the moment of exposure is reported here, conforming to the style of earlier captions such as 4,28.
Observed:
4,05
